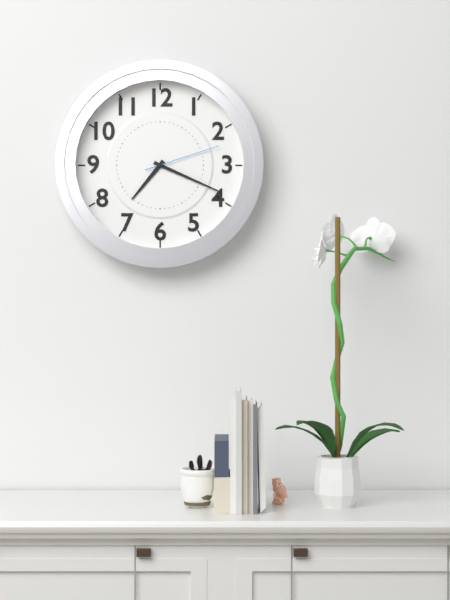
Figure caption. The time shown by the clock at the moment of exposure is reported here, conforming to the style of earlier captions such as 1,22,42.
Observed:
7,19,12
